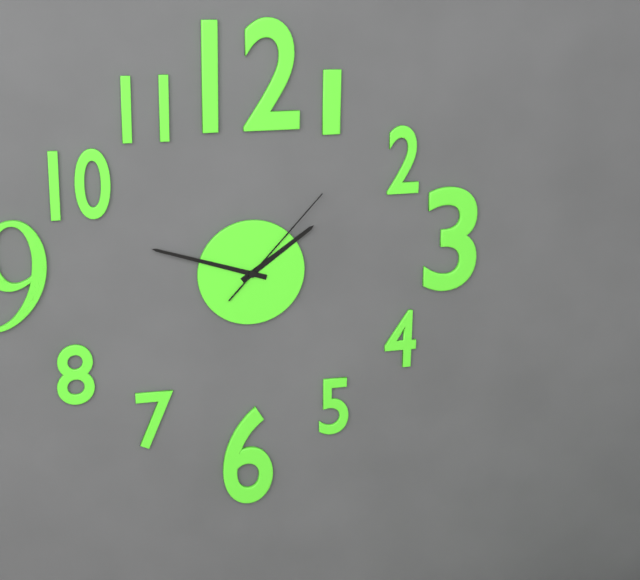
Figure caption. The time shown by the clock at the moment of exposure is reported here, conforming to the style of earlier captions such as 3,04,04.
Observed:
1,48,07
